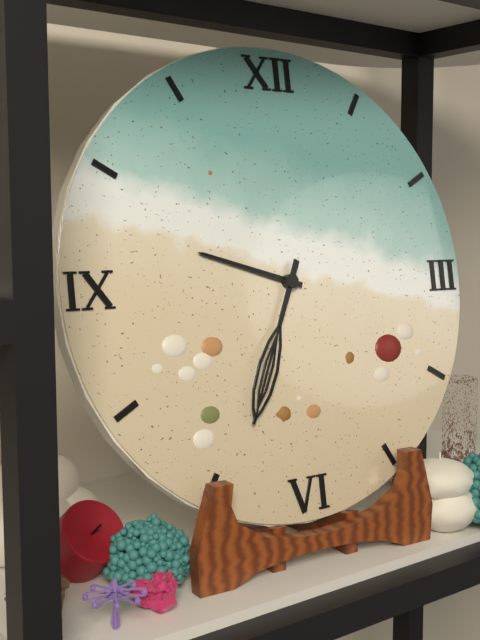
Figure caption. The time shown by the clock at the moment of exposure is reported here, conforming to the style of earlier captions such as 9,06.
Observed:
9,34
